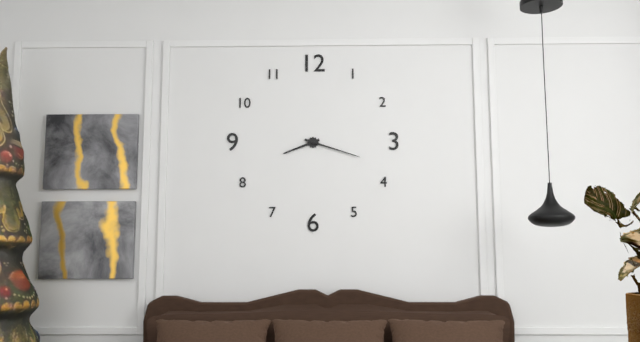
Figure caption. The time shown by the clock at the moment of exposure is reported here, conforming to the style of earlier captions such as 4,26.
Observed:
8,18
